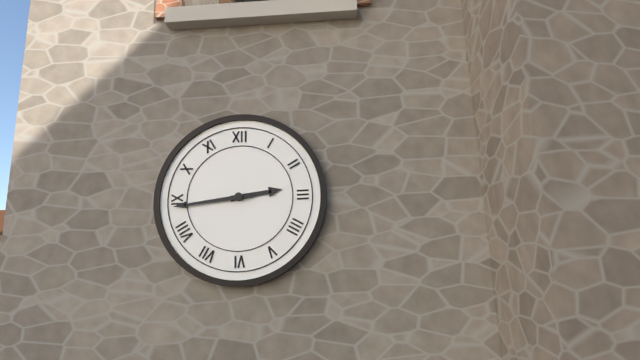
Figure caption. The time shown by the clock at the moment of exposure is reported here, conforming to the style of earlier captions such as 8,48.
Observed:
2,44
